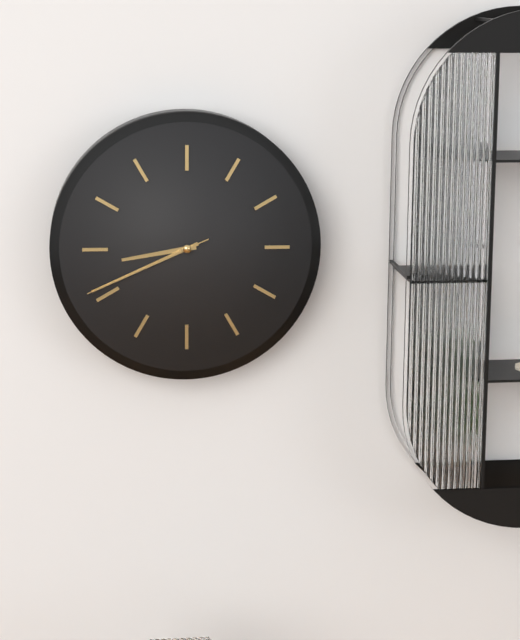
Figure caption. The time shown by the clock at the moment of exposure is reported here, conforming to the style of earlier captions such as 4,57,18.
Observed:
8,41,41
